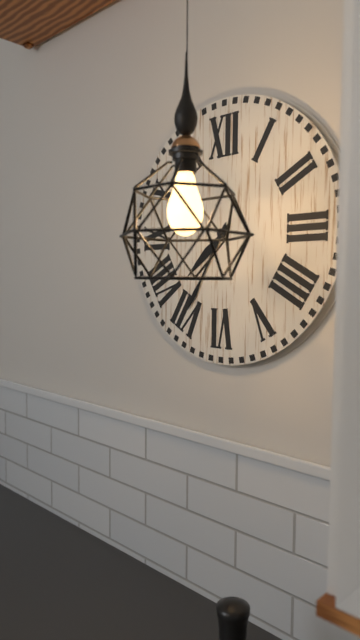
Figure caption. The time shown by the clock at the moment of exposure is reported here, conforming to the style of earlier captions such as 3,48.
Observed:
7,35
